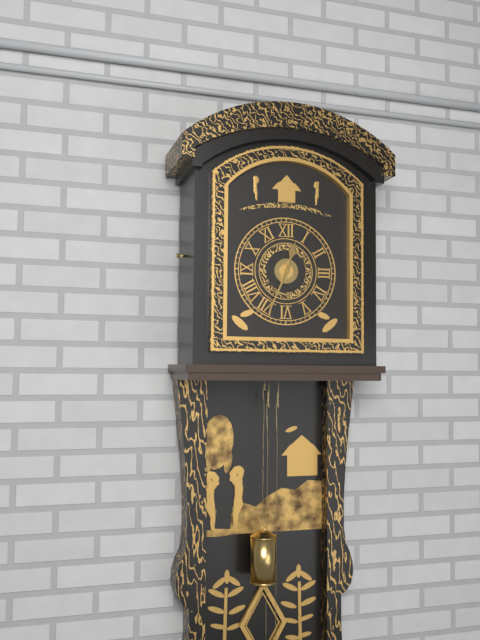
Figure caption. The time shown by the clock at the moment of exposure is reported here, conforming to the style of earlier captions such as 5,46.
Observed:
12,34
